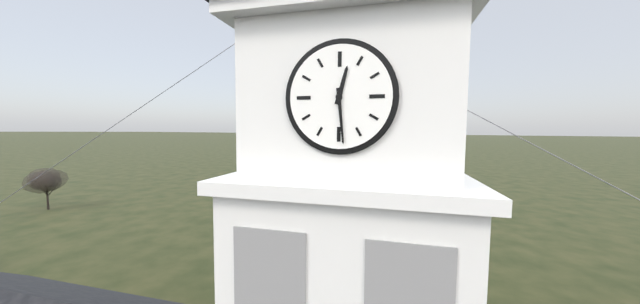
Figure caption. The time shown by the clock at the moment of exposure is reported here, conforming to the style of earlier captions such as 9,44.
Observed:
12,29
